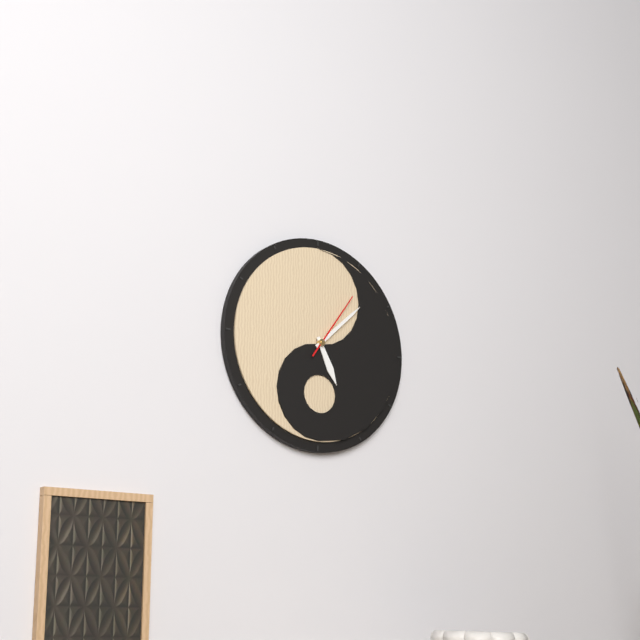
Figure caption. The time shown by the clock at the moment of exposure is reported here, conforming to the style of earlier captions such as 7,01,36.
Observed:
5,08,06
